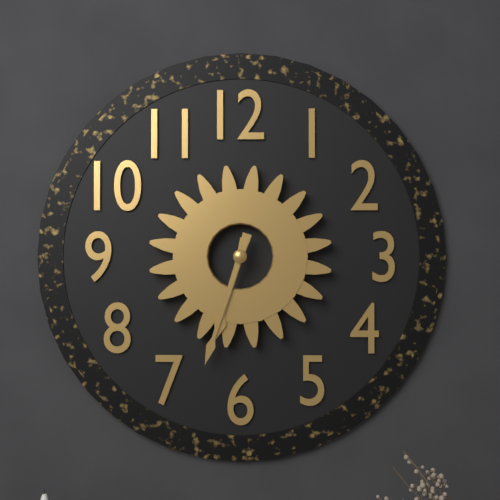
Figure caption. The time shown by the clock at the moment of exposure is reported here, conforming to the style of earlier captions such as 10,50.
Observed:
6,33
